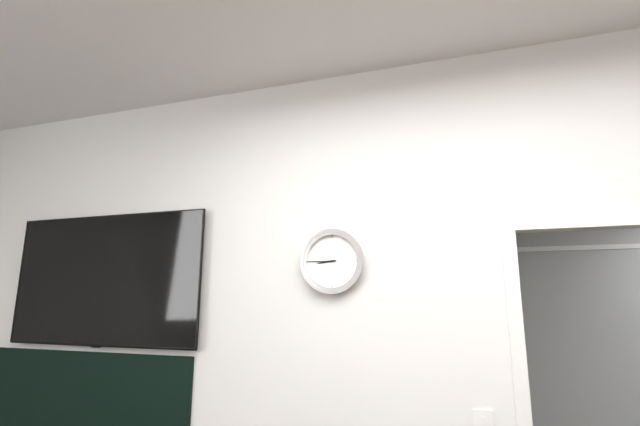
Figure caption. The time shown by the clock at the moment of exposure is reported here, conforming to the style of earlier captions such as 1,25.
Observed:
8,45
